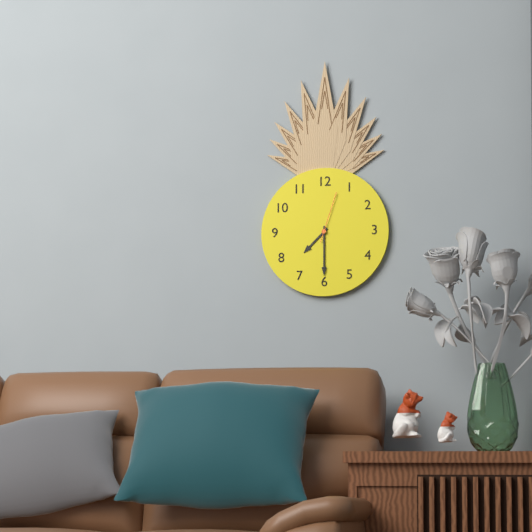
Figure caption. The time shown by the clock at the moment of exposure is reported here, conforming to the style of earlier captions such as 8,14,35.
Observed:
7,30,03
